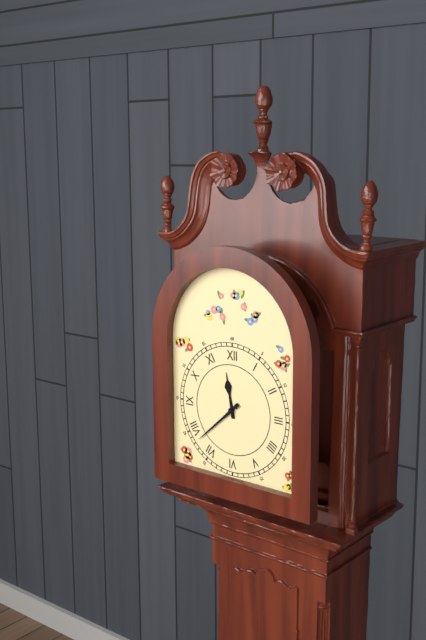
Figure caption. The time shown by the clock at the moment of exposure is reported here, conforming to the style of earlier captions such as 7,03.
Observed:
11,38
